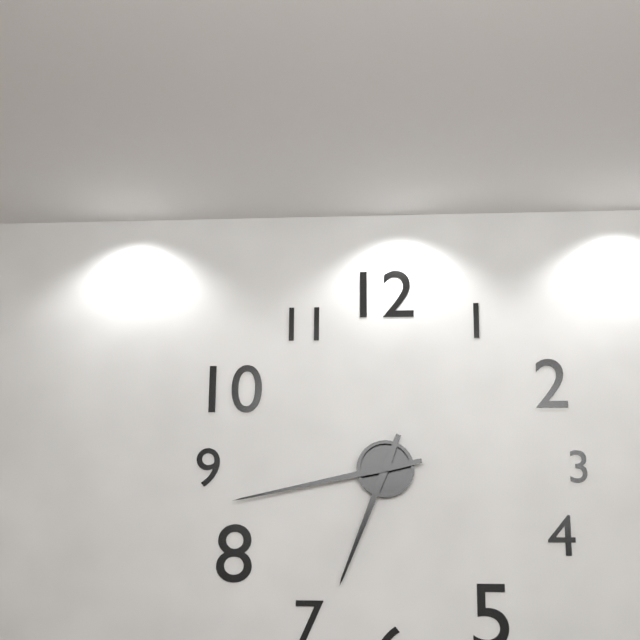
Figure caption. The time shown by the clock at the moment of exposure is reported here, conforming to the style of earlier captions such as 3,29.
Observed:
6,43
